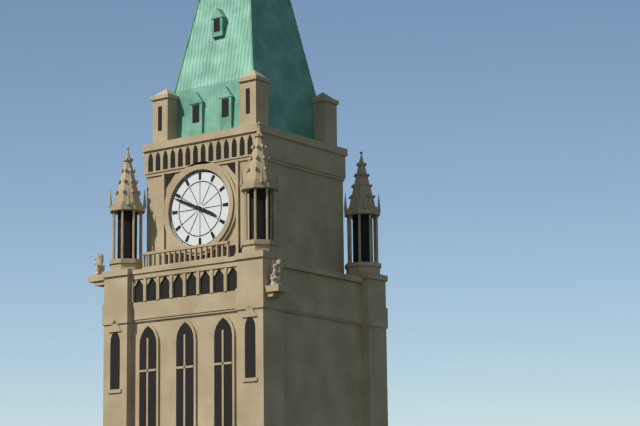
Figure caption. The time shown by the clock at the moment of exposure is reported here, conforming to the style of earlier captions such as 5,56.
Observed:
3,49
